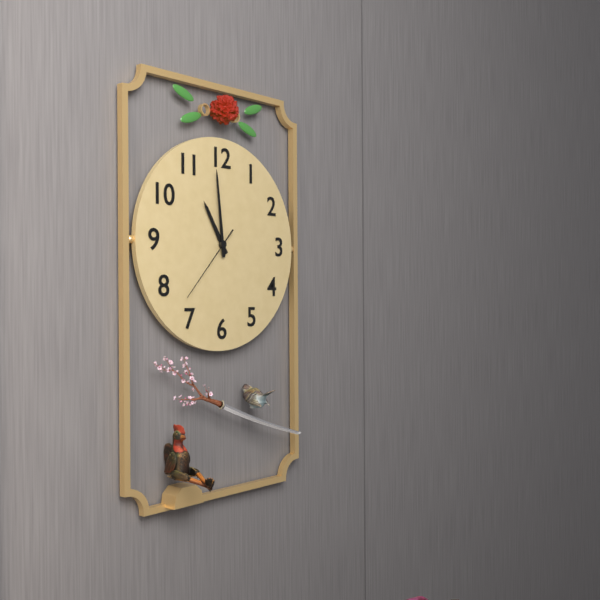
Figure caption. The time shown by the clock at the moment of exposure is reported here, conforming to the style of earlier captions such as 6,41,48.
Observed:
10,59,37
